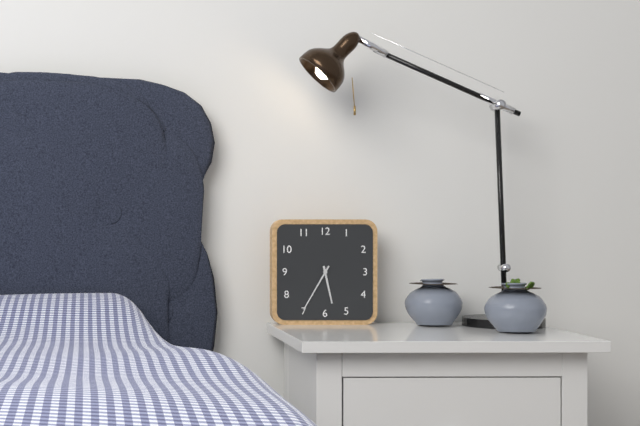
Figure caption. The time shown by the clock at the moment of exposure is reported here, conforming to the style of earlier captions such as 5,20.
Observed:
5,35
